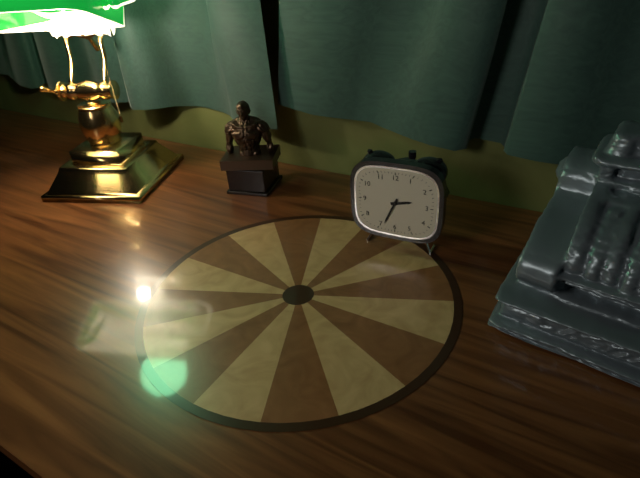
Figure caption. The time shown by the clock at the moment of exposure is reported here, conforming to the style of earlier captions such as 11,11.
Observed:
2,34
